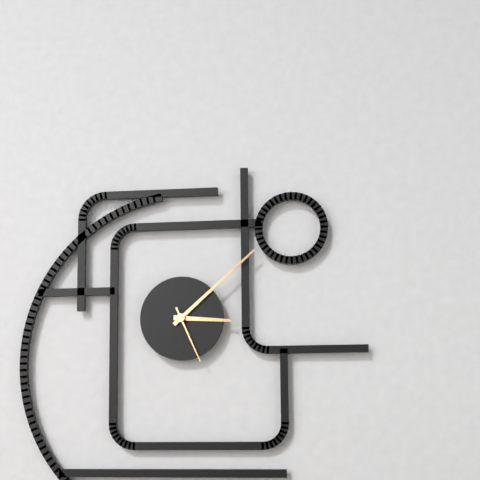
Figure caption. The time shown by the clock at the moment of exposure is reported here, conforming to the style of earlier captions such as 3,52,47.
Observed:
3,08,26
